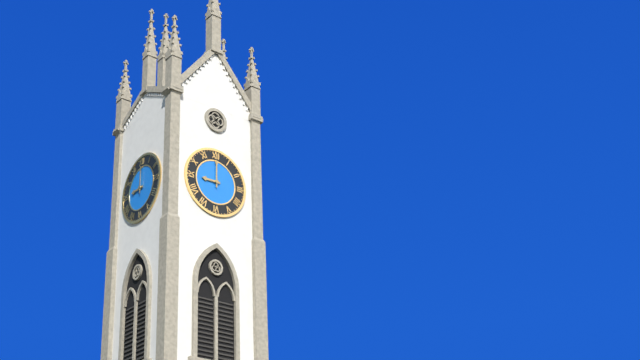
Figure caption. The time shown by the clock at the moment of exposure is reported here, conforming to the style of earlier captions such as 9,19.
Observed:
9,00
